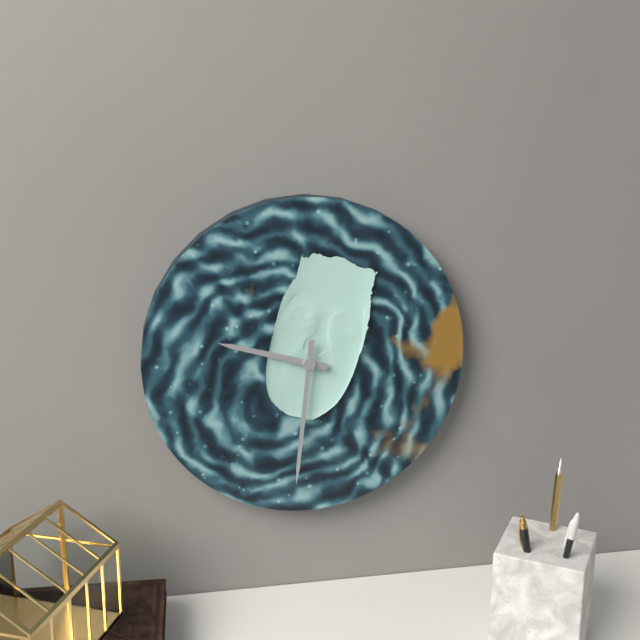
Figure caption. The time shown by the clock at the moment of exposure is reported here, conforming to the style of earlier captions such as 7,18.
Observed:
9,31
